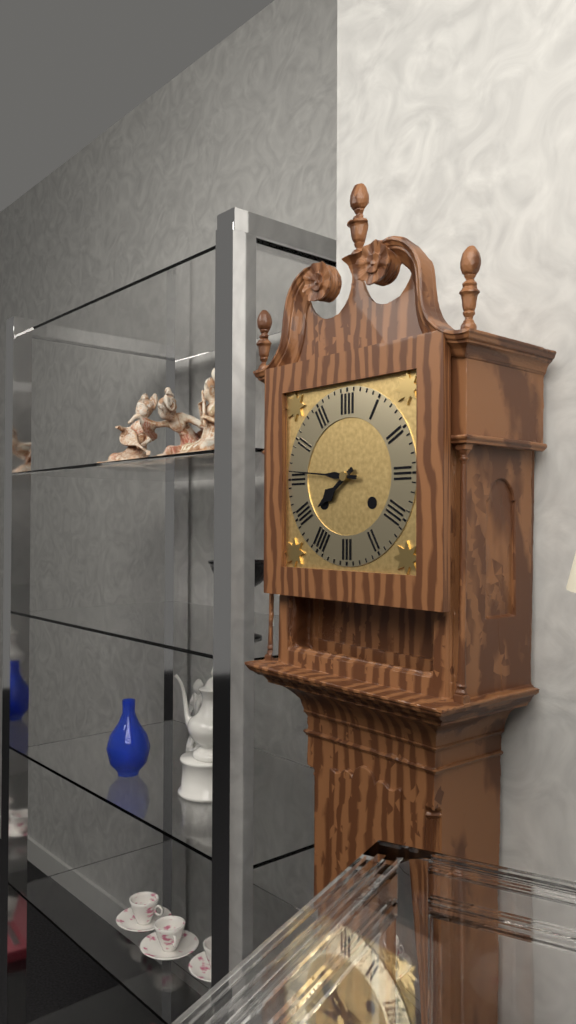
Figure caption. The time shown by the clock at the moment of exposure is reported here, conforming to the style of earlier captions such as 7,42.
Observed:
7,46
